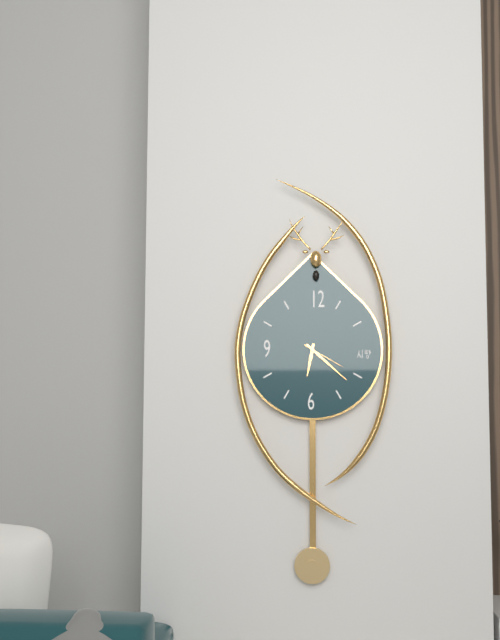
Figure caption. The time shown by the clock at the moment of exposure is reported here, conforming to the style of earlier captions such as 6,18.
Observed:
6,22
